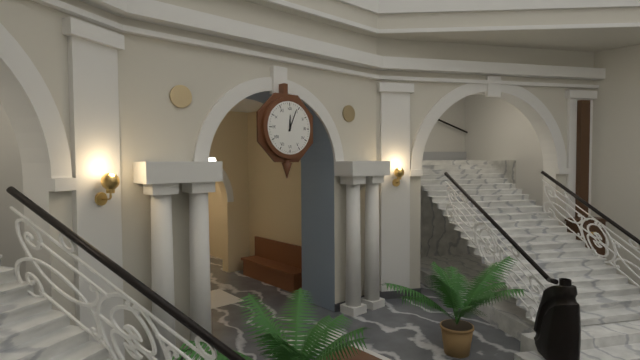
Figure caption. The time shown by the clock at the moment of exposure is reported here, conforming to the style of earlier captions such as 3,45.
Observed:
12,04
